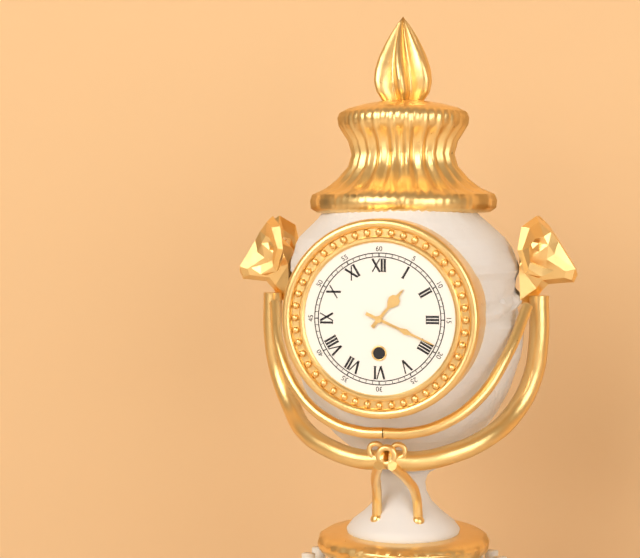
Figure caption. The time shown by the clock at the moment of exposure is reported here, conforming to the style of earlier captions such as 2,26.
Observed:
1,19
